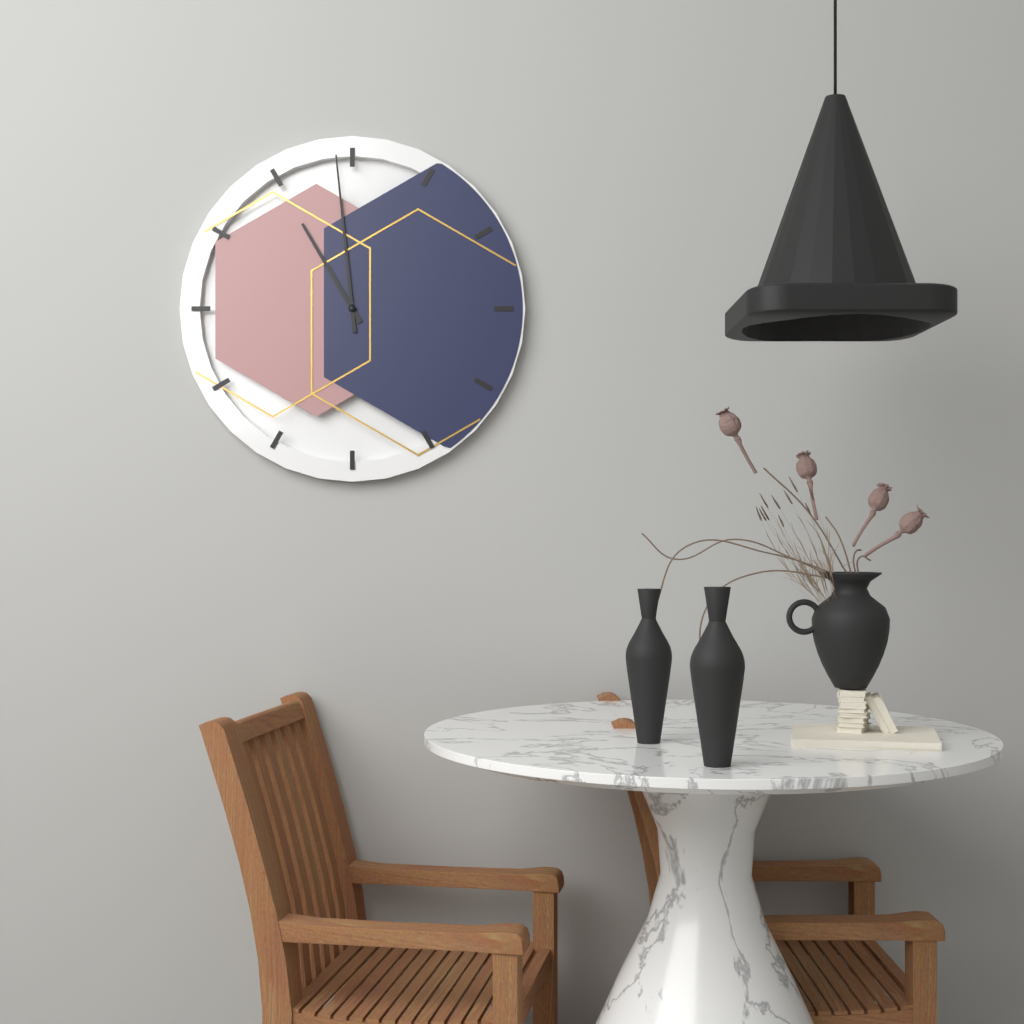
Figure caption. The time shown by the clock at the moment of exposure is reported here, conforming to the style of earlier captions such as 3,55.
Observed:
10,59
